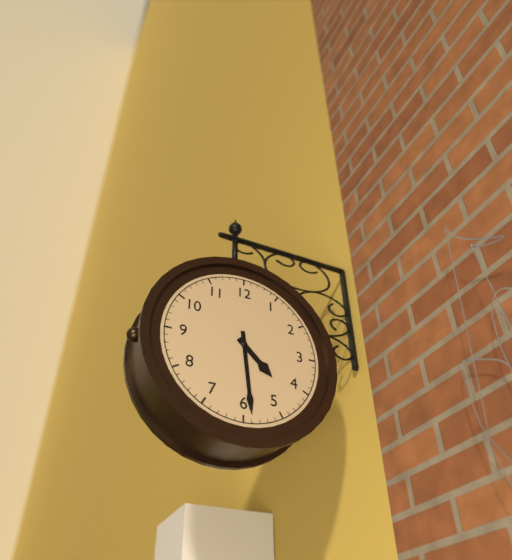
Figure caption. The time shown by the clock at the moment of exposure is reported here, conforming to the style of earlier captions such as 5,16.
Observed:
4,29
